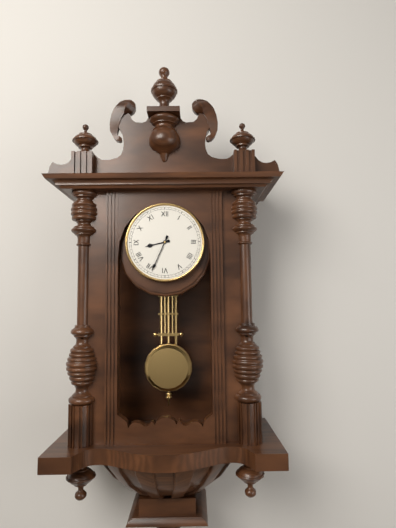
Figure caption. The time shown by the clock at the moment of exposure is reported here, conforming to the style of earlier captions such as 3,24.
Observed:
8,34
